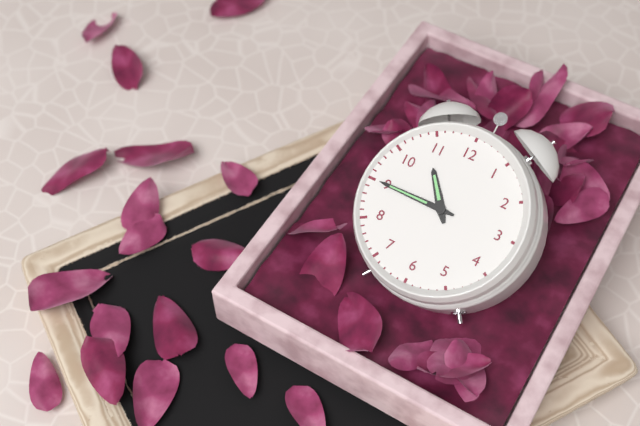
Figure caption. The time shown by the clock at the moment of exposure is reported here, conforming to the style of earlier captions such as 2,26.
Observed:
10,45
